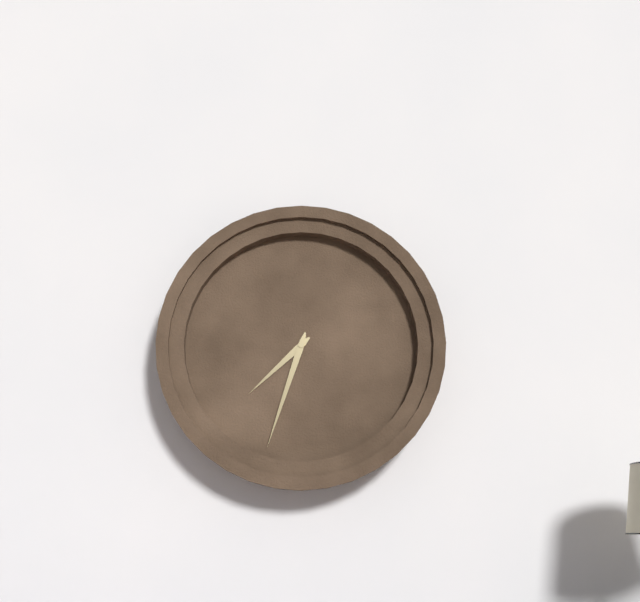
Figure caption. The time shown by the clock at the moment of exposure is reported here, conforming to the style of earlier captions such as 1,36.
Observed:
7,33
